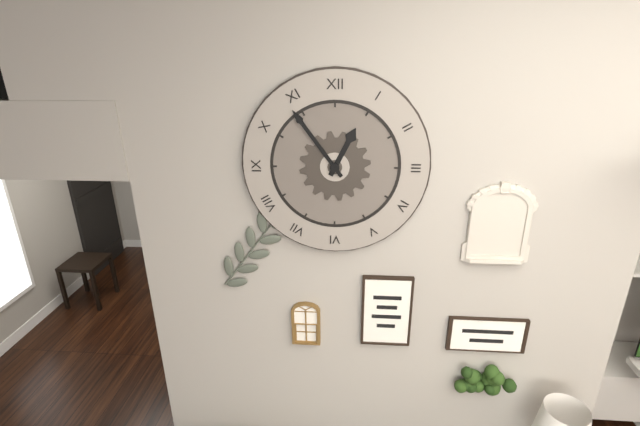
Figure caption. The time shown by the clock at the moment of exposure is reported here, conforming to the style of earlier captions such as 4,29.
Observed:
12,54
